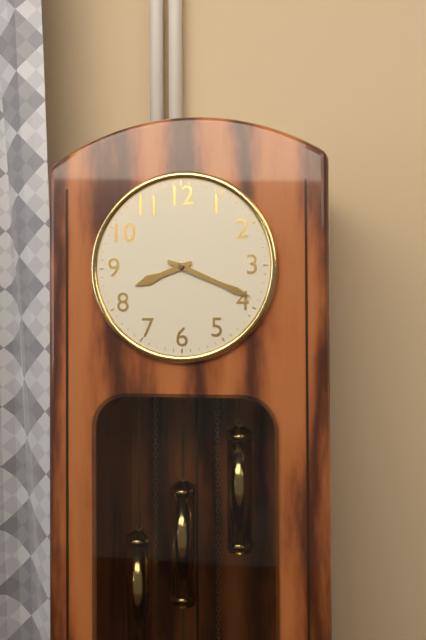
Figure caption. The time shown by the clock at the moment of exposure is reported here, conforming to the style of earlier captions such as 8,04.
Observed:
8,19
